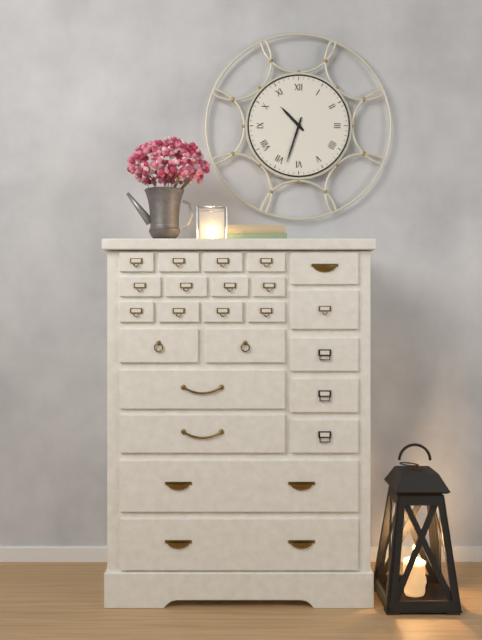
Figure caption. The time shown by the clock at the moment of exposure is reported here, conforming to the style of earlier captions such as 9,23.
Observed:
10,33
